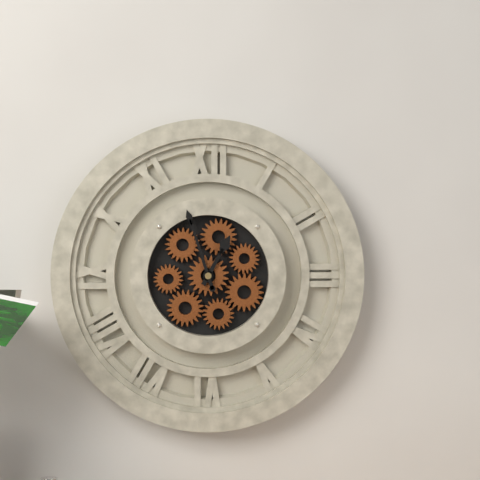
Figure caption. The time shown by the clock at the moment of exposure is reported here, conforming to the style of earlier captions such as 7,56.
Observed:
12,57
